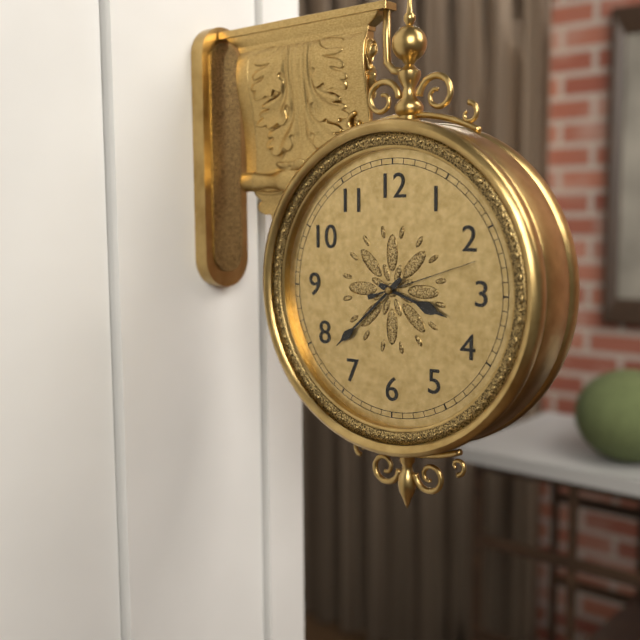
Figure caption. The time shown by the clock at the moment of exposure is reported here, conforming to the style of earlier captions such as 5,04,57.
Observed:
3,38,12
